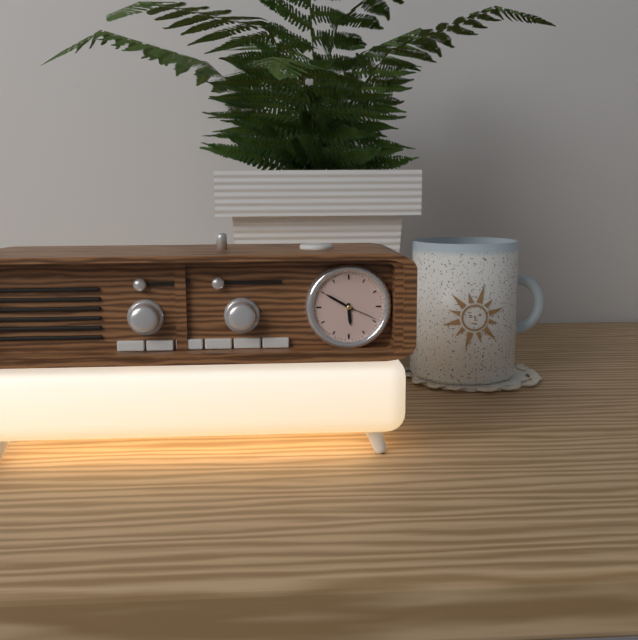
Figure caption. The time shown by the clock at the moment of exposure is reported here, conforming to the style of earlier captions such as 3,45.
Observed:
5,50
